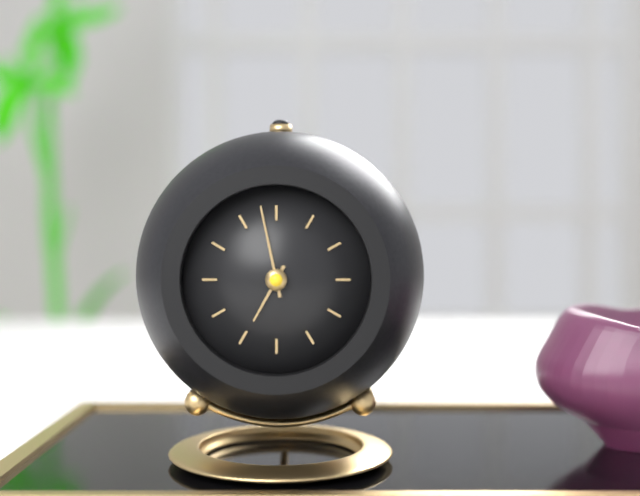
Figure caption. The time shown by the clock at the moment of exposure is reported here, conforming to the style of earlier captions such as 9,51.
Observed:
6,58
